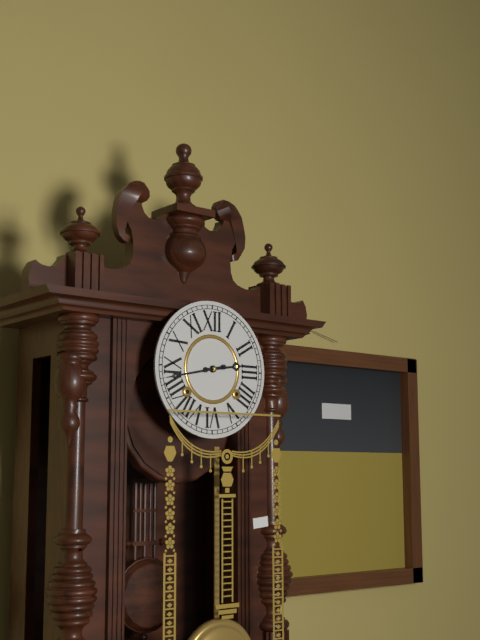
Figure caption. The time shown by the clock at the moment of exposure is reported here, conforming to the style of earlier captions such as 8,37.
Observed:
2,43
